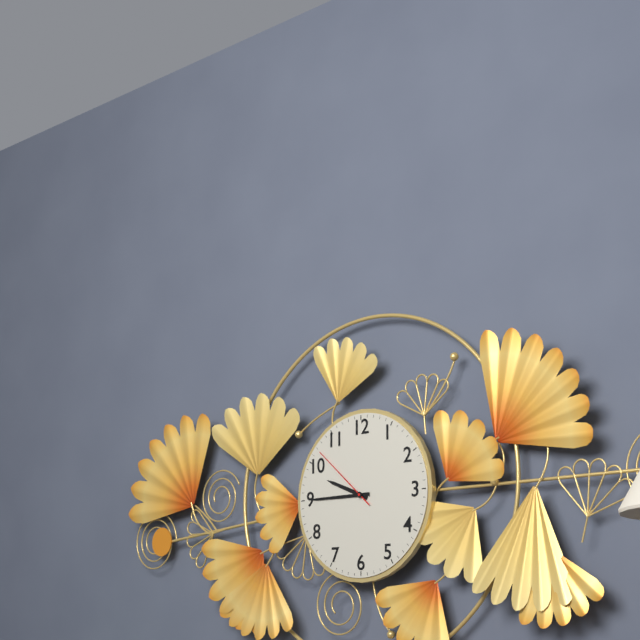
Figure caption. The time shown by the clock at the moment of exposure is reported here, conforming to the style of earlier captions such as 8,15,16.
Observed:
9,45,52
